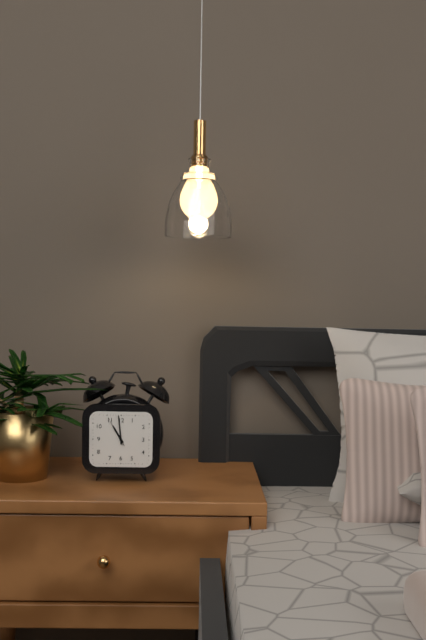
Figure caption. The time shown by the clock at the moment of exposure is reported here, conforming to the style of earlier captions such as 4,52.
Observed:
10,59
